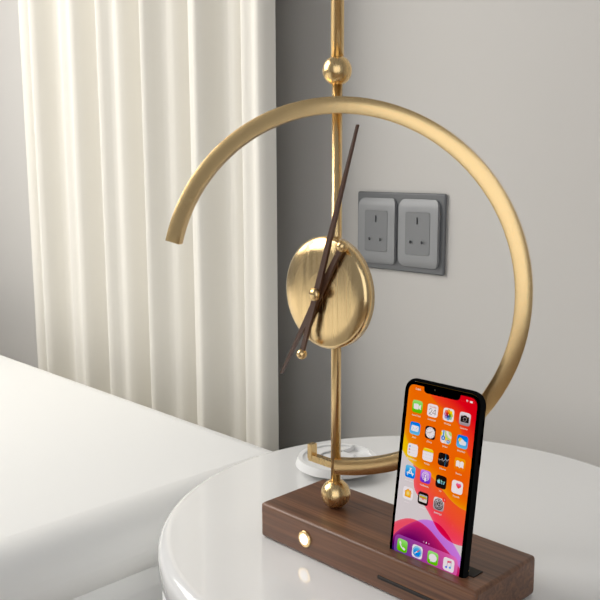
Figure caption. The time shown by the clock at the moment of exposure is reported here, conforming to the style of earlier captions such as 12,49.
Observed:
7,03
